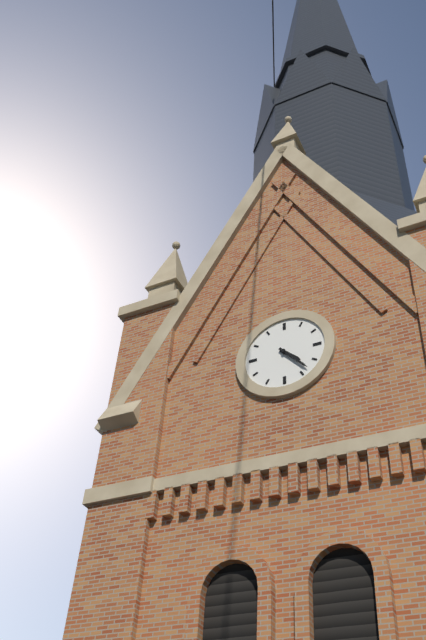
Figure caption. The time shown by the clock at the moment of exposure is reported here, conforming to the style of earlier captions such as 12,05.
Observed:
4,23
